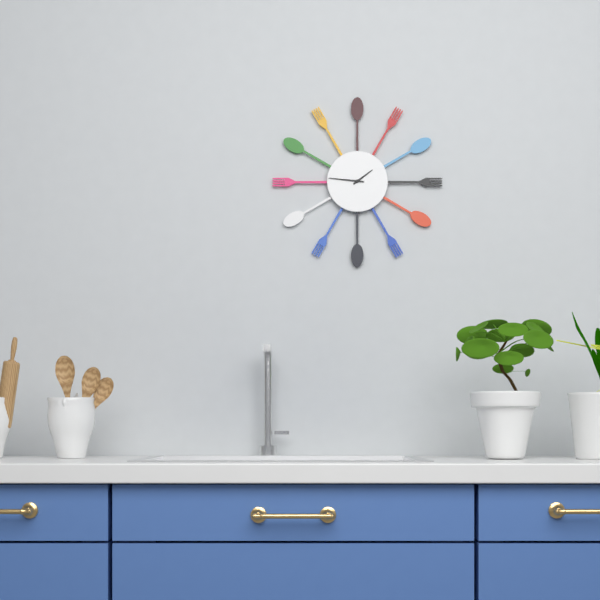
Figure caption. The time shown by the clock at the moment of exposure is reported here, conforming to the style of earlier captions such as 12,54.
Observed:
1,46
